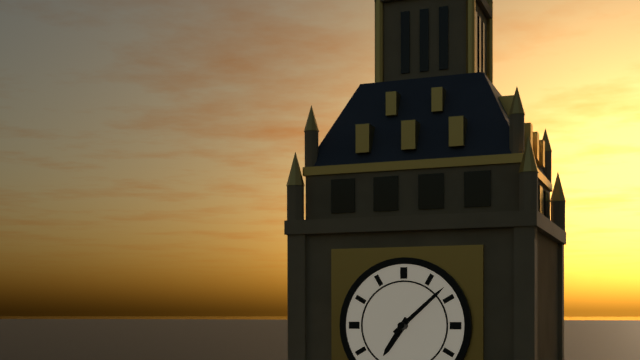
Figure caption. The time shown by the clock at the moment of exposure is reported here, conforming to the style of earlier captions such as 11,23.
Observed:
7,08
